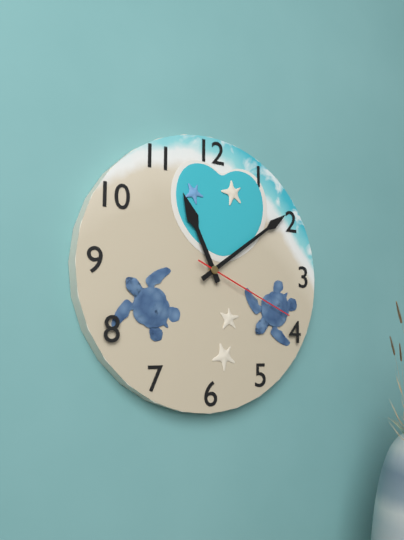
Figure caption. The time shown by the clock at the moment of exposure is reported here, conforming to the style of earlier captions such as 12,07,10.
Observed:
11,09,19
